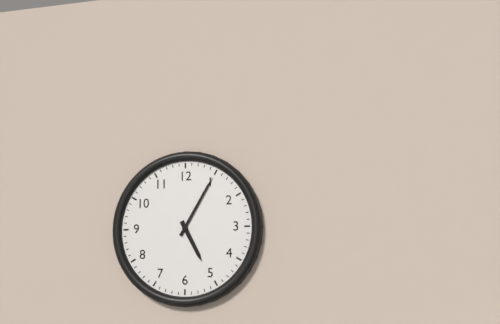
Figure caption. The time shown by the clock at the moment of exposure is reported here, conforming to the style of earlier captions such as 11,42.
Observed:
5,05
